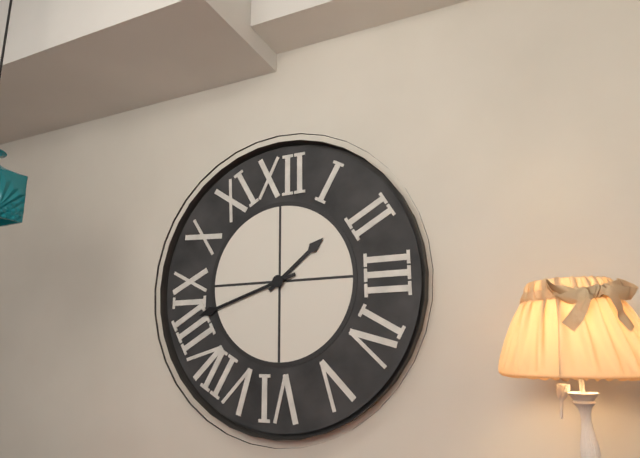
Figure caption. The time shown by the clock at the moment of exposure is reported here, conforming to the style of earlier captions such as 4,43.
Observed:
1,42
